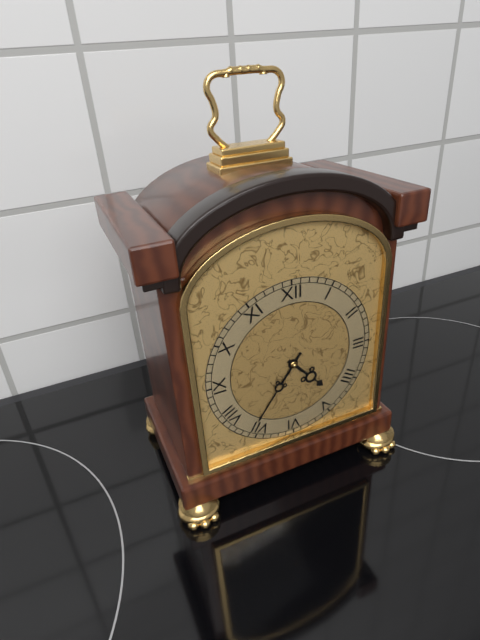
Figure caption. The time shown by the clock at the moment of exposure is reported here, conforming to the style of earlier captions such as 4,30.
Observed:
4,36
